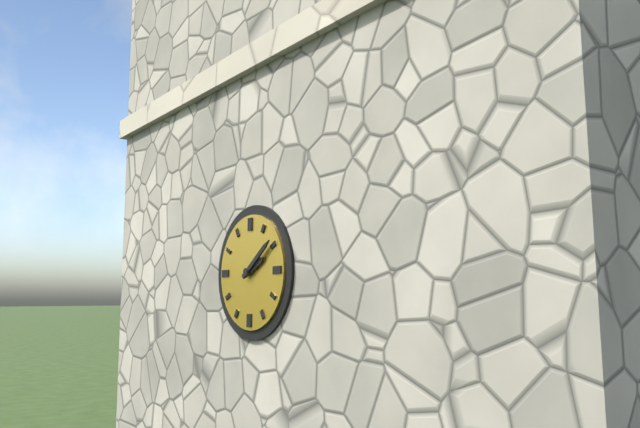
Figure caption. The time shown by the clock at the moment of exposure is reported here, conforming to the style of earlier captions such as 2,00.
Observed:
2,09
